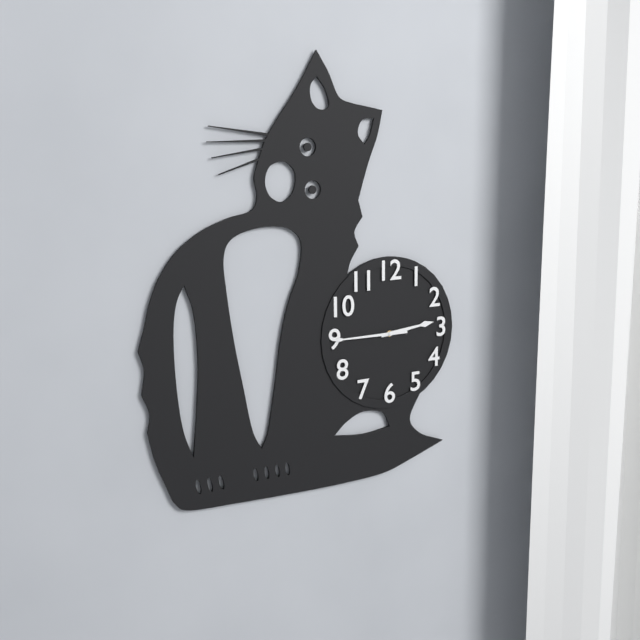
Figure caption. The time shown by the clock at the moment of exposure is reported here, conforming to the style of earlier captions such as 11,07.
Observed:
2,45
